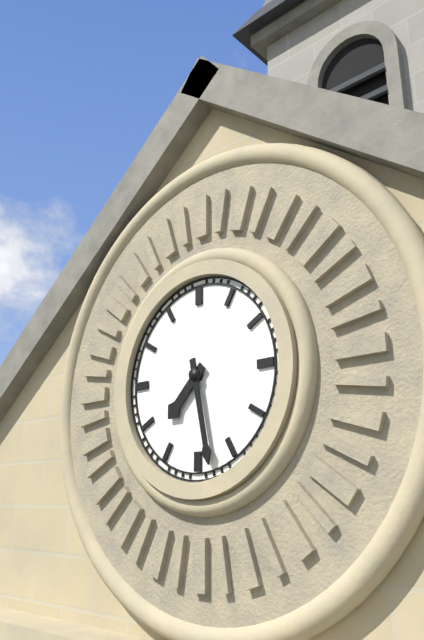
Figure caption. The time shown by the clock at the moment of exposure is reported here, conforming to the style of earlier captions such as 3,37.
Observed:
7,28
